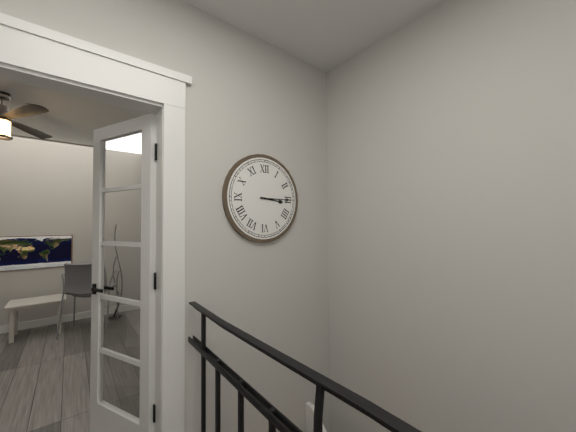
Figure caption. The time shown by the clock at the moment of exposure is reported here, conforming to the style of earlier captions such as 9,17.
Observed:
3,15
